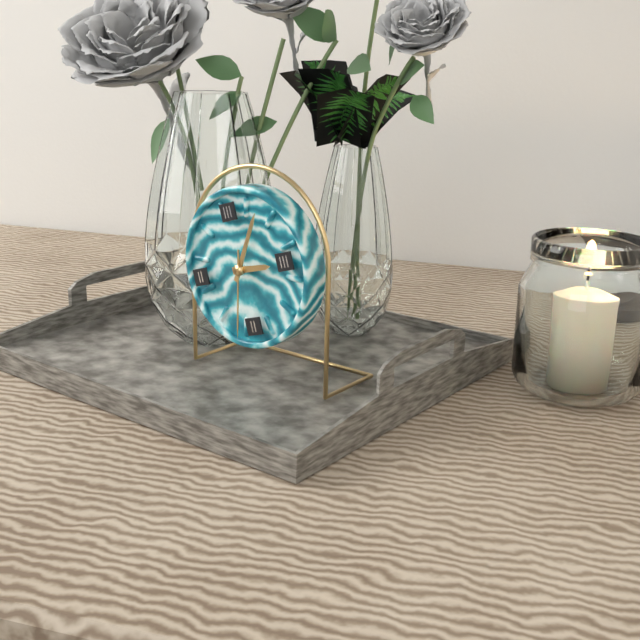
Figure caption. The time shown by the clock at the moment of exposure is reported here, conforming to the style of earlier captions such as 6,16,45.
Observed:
3,06,33
